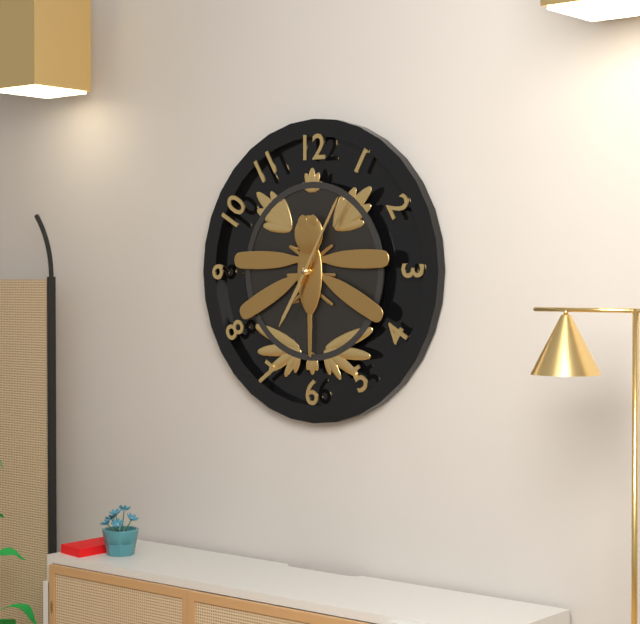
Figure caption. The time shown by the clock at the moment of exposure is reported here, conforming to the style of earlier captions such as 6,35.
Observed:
7,05
